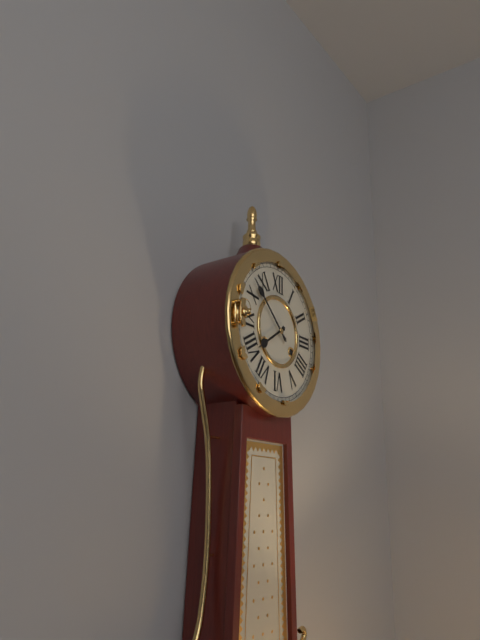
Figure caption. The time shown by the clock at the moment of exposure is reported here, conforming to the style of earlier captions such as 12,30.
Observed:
7,52
